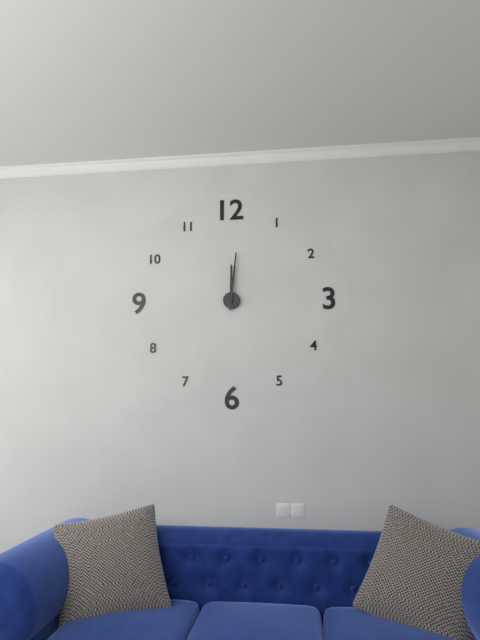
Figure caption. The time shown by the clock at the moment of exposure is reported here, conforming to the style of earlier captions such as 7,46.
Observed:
12,01
